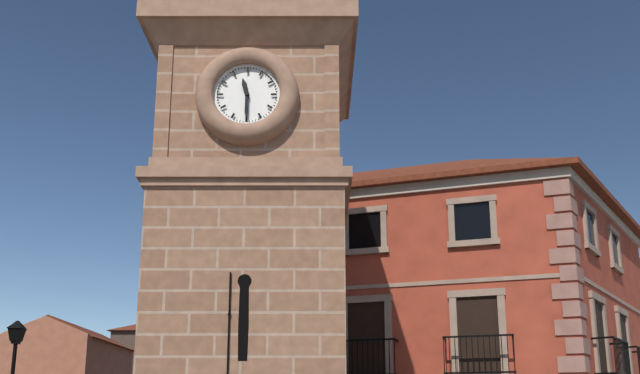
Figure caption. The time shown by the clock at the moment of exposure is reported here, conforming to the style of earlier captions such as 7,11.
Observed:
11,30
